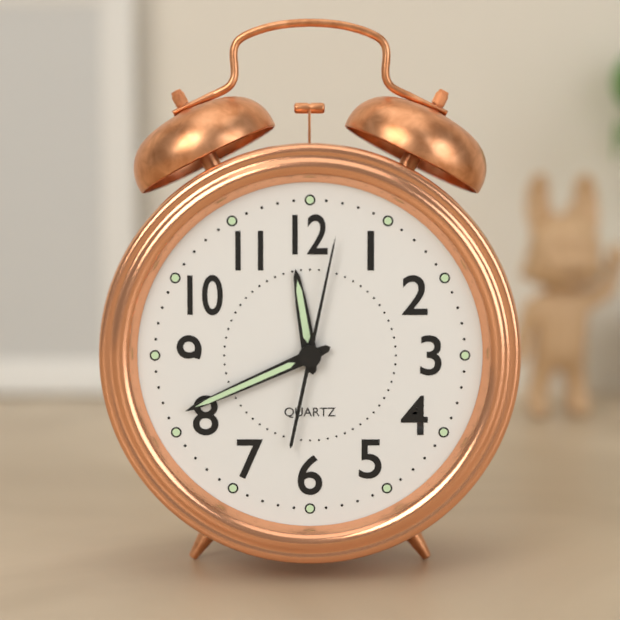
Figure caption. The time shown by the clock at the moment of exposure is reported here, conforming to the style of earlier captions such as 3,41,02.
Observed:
11,41,02
